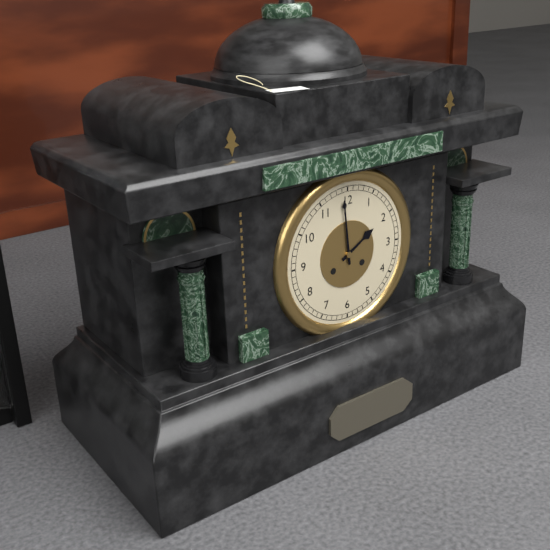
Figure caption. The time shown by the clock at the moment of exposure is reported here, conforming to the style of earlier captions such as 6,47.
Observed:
1,59
